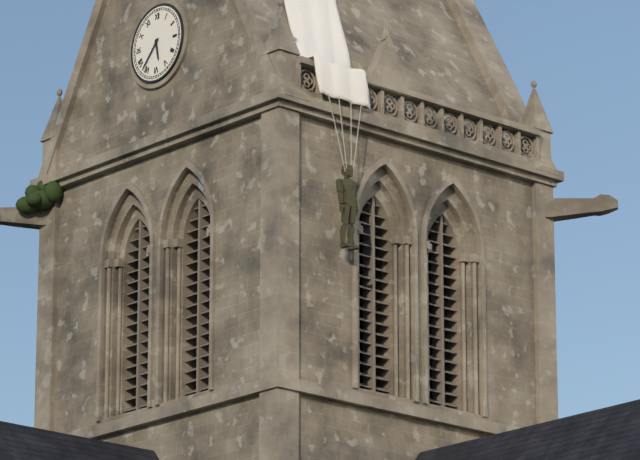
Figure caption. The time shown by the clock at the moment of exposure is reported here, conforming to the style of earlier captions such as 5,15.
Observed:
5,37
